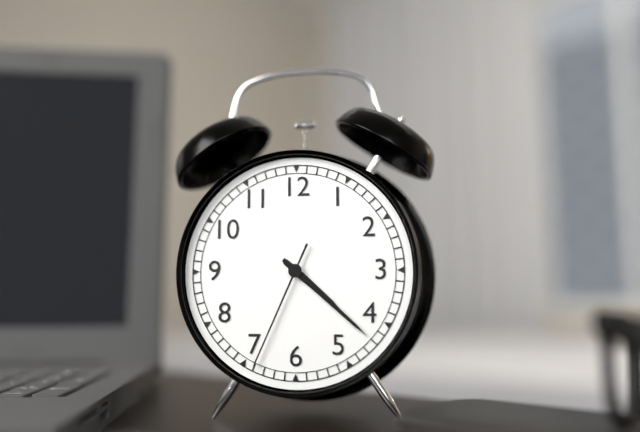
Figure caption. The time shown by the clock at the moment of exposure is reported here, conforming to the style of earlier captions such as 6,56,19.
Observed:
4,22,34
